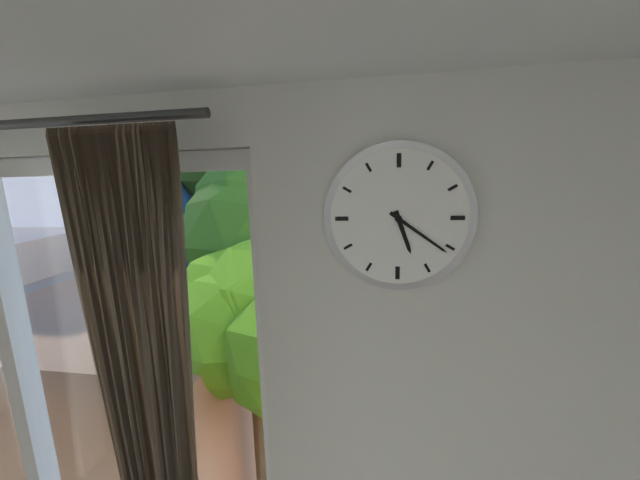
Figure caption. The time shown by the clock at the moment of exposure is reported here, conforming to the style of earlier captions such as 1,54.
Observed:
5,21
